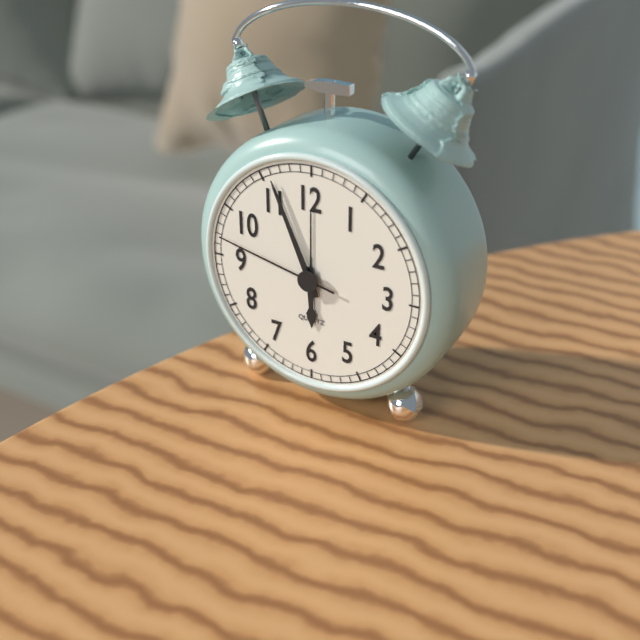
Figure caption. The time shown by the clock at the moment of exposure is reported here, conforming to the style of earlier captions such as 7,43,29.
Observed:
5,56,47
